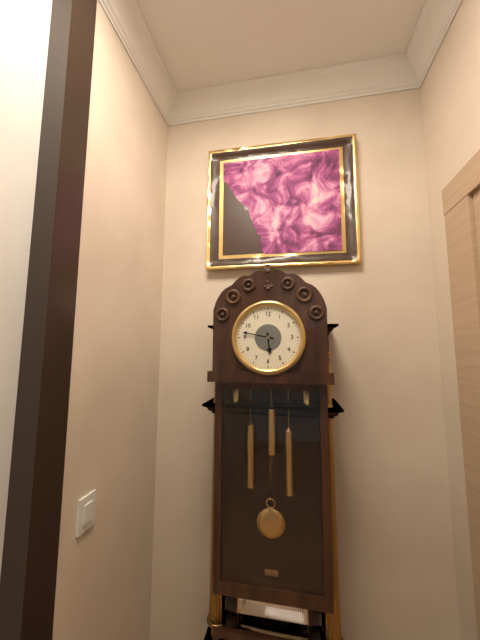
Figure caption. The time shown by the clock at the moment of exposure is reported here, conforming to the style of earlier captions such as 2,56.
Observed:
5,47
